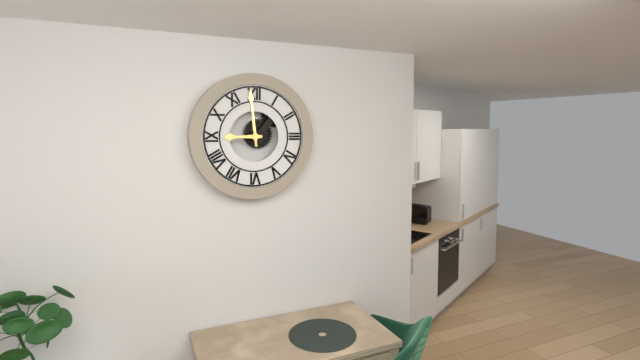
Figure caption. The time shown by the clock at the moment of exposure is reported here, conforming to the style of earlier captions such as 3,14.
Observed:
8,59
